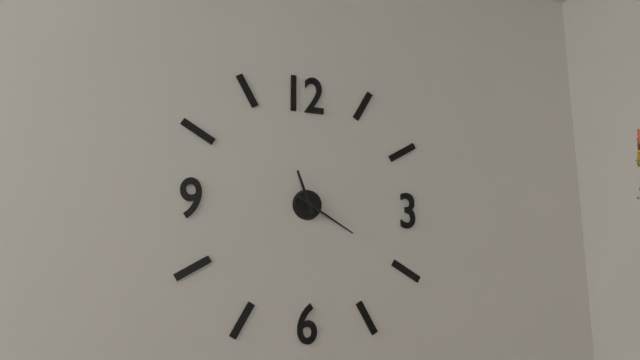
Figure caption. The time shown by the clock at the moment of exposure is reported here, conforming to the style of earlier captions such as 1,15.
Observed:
11,20
